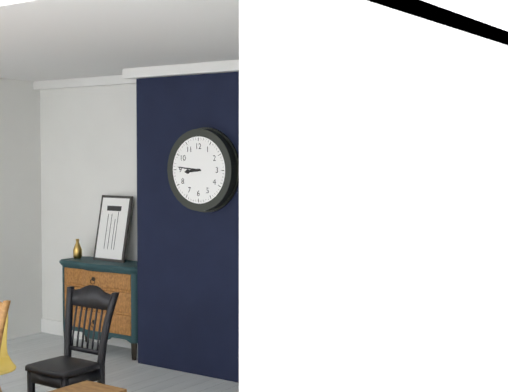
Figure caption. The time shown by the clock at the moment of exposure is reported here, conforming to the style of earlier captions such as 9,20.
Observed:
8,46
